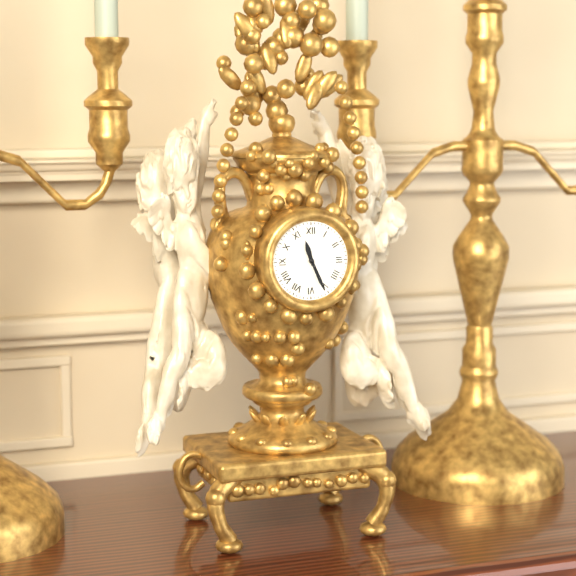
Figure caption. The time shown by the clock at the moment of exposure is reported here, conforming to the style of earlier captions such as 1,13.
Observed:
11,26
